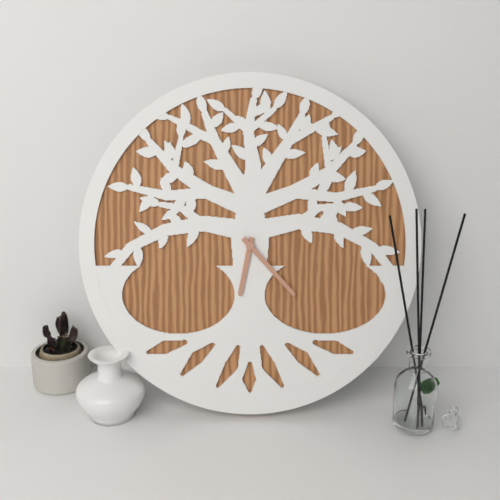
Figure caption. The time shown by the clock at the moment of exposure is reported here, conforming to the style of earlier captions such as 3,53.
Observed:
6,23
